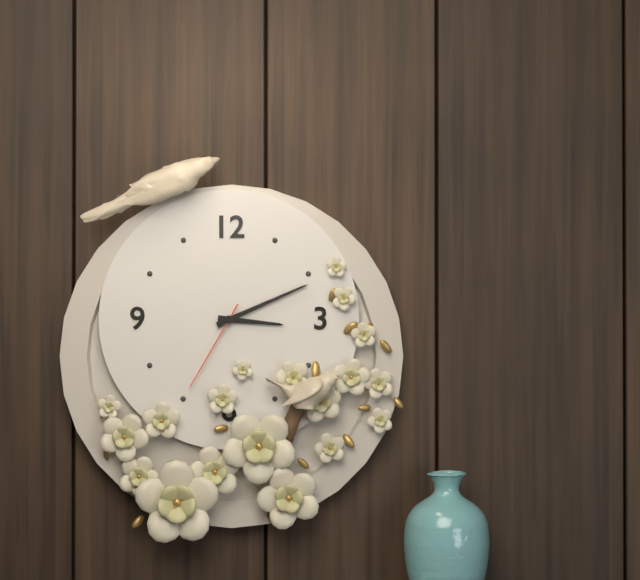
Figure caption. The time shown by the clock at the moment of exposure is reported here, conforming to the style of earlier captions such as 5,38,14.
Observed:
3,11,35
